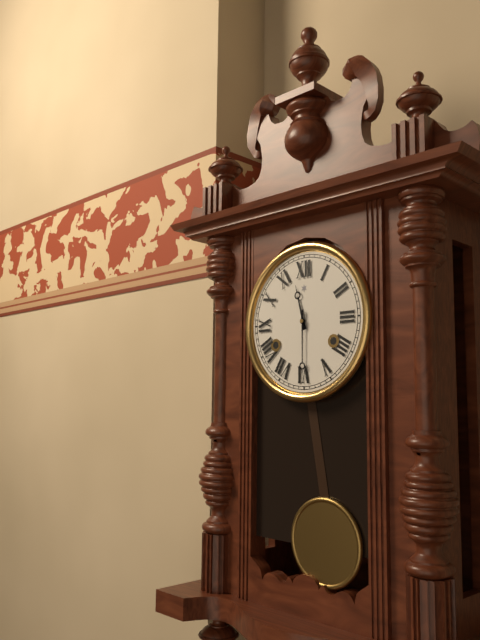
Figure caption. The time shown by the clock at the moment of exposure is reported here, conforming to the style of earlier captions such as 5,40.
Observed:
11,30
